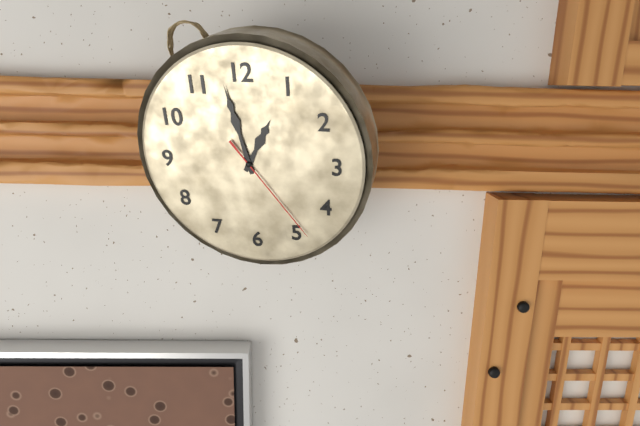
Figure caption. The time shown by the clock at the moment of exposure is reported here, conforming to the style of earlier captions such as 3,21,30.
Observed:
12,58,24
